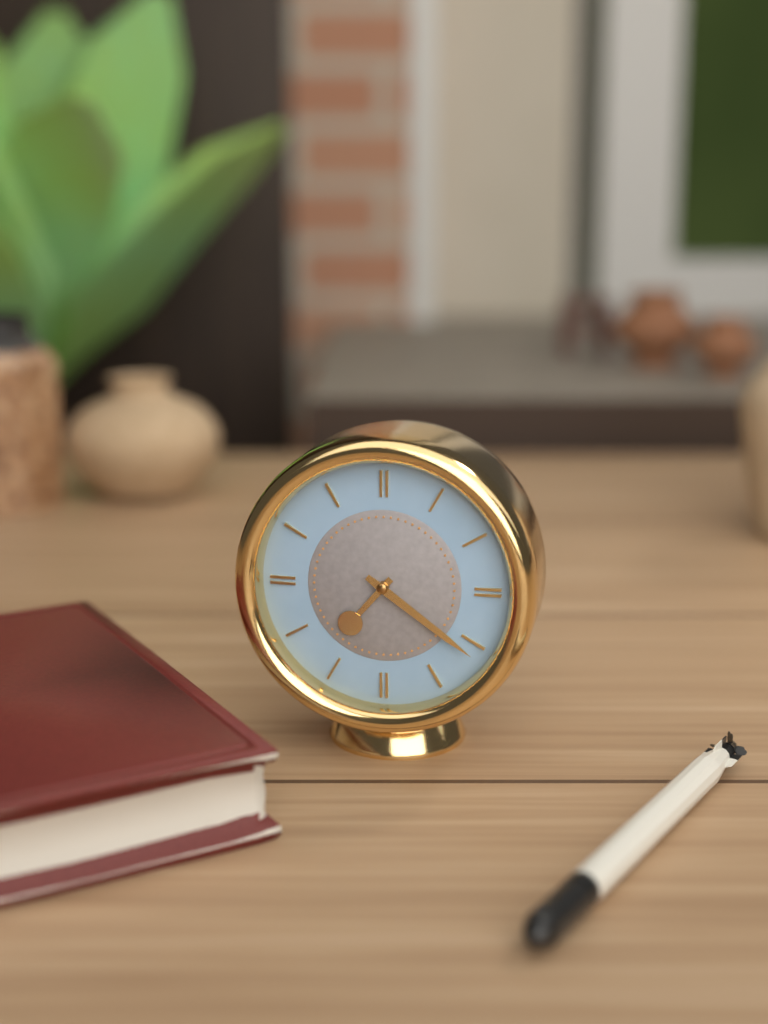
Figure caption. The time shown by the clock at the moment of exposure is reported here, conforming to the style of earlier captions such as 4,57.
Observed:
7,21
